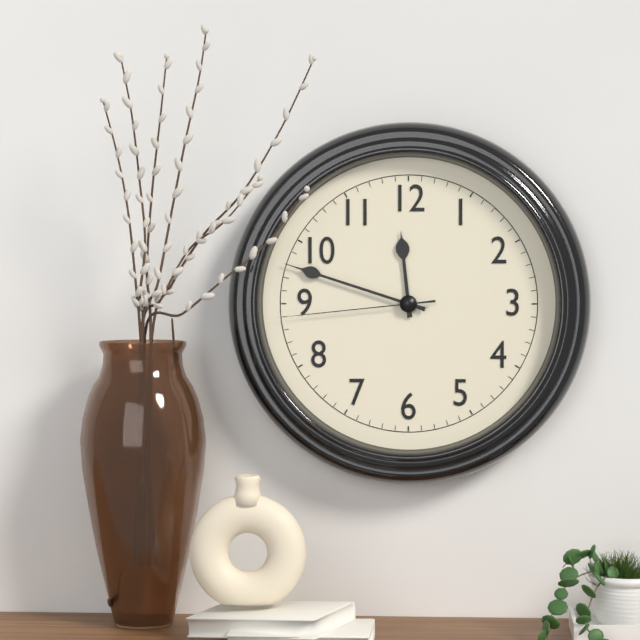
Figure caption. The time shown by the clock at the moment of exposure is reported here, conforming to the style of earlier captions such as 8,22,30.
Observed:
11,48,44
